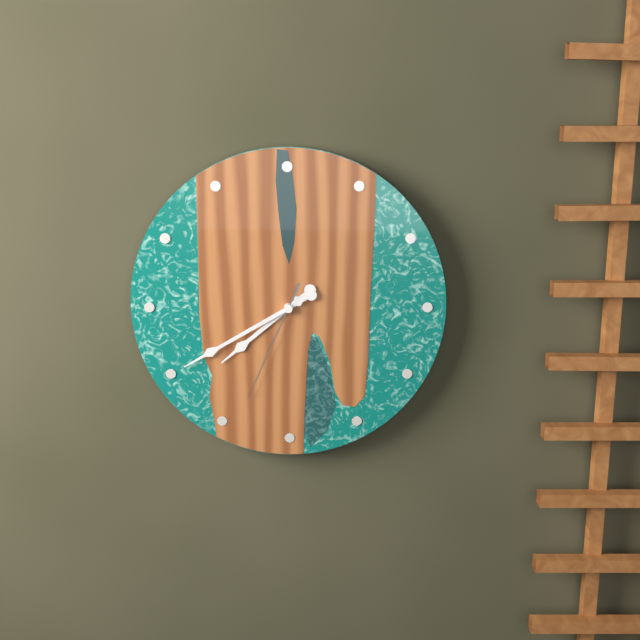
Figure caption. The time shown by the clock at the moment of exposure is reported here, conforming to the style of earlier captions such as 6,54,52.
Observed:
7,40,34
